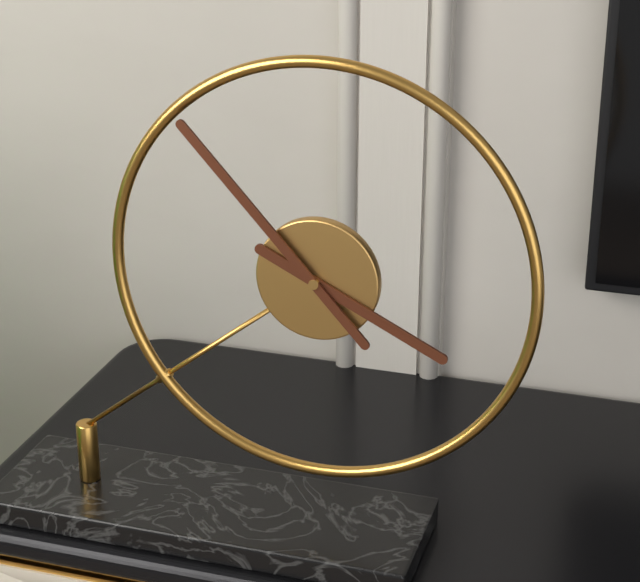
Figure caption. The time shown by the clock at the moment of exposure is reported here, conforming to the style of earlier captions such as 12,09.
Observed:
3,53
